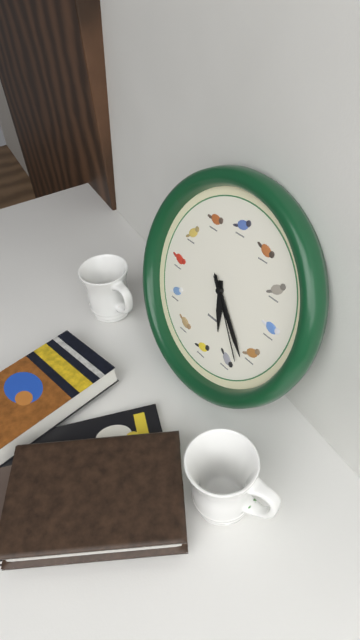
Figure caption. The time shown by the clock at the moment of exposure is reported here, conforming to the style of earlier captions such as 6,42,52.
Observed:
5,22,23
